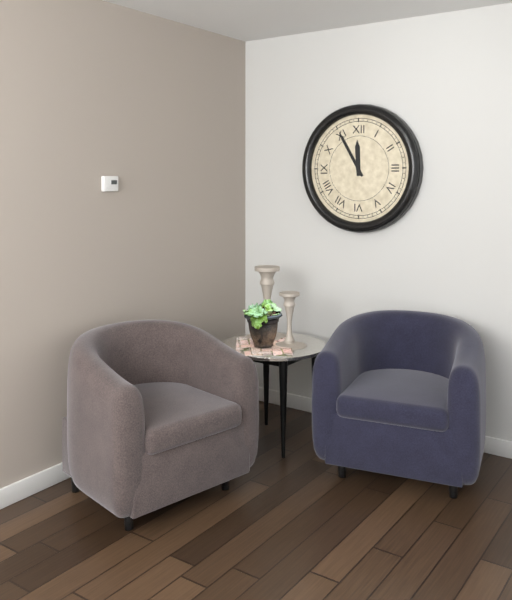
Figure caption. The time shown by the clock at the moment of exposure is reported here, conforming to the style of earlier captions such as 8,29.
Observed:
11,55
